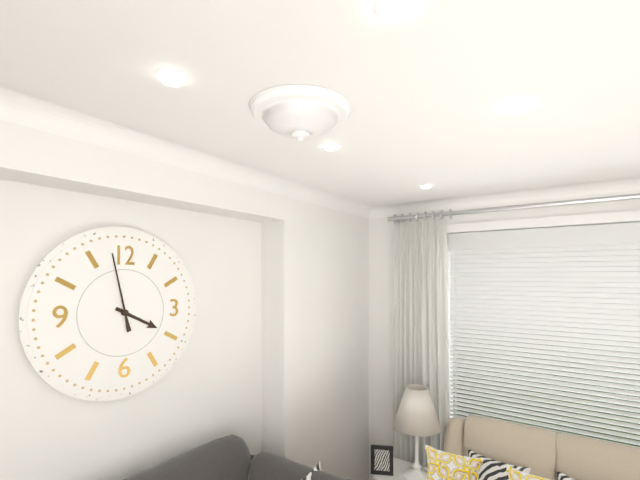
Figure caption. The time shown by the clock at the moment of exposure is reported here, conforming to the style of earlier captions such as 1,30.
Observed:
3,58
